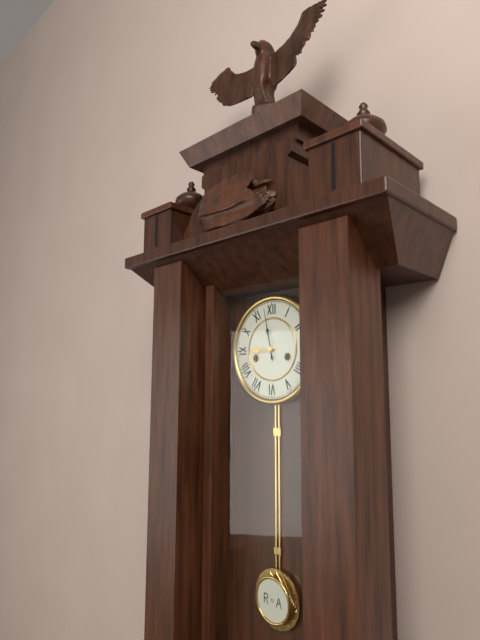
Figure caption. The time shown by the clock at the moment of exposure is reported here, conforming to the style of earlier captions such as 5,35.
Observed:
8,58
